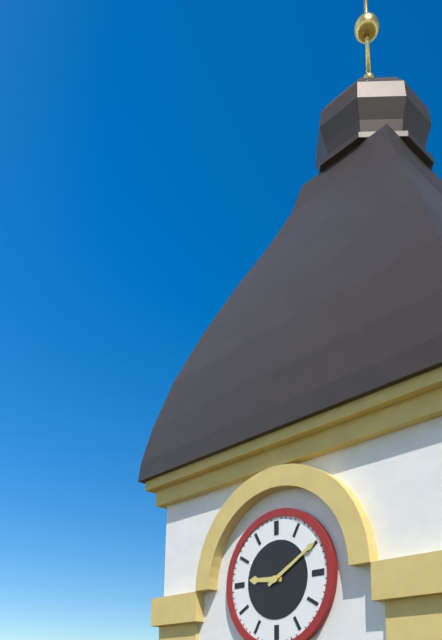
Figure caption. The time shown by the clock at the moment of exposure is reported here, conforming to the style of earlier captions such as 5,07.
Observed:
9,10
